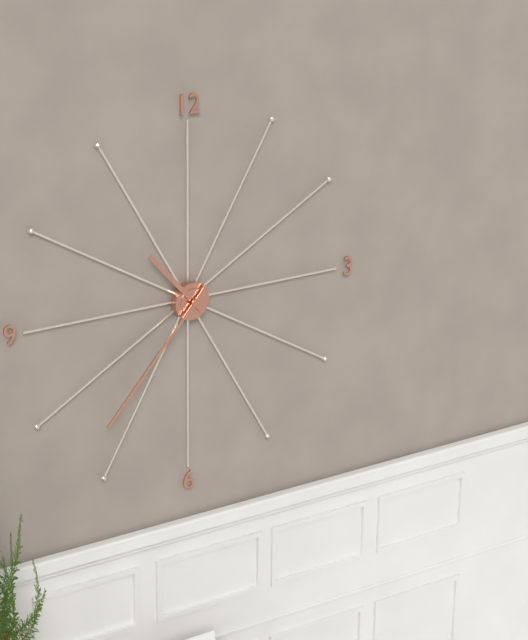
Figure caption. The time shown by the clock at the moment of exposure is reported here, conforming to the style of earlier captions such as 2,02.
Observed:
10,37
